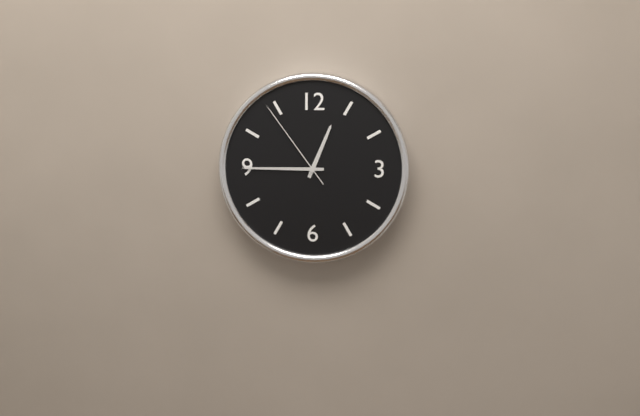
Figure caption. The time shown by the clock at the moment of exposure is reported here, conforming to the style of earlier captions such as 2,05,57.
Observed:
12,45,54
